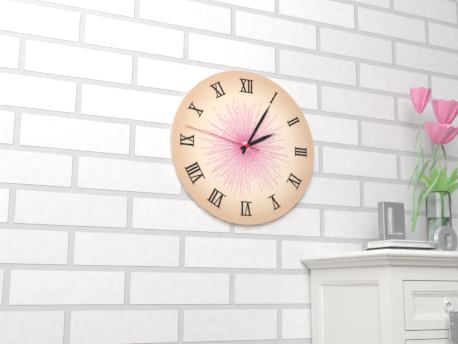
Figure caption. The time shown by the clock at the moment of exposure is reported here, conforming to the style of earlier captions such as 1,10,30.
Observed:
2,05,47
